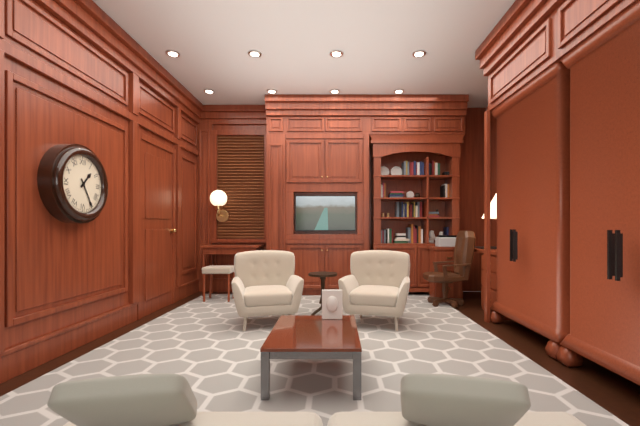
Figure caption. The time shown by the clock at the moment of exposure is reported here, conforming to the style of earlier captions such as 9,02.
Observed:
1,25
